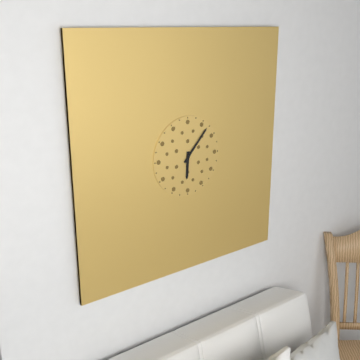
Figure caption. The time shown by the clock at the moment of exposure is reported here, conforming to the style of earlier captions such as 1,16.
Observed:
6,07
